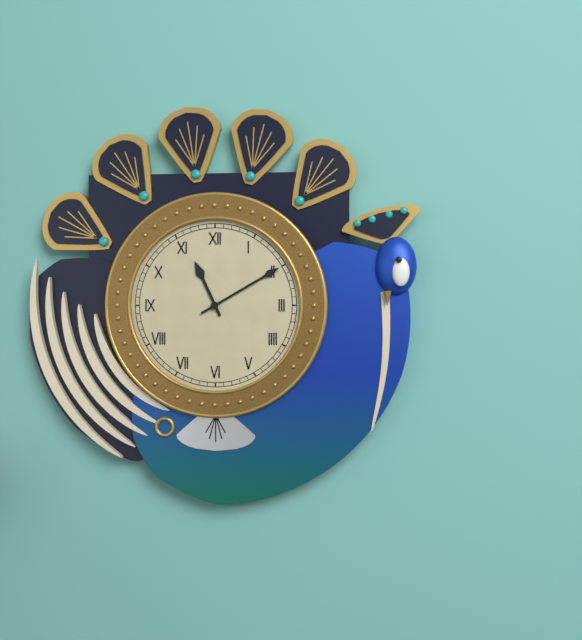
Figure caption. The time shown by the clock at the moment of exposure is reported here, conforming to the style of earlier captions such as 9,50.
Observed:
11,10
